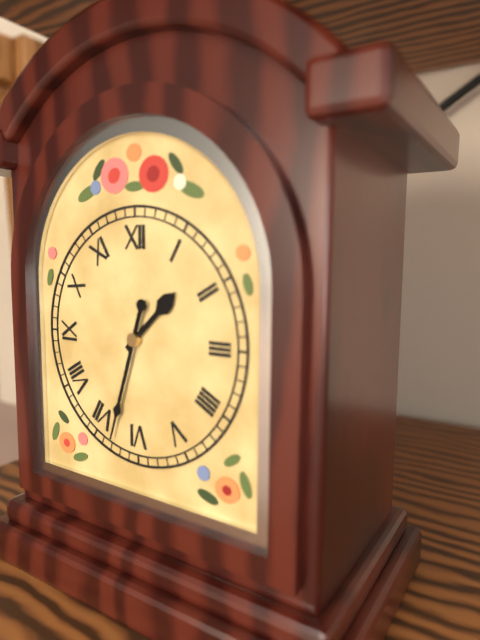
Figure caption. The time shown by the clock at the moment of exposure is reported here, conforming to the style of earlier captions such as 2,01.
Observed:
1,33
